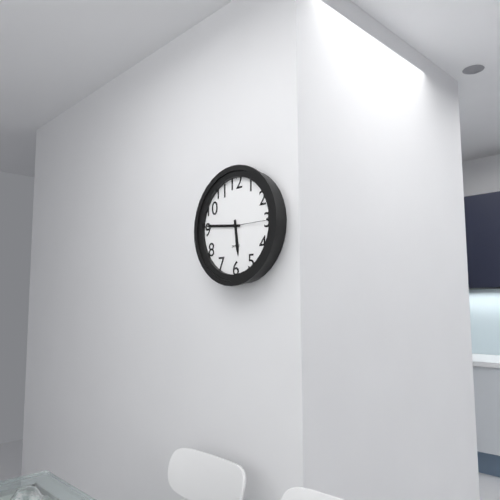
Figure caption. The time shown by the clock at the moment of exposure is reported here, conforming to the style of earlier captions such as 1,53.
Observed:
5,46
